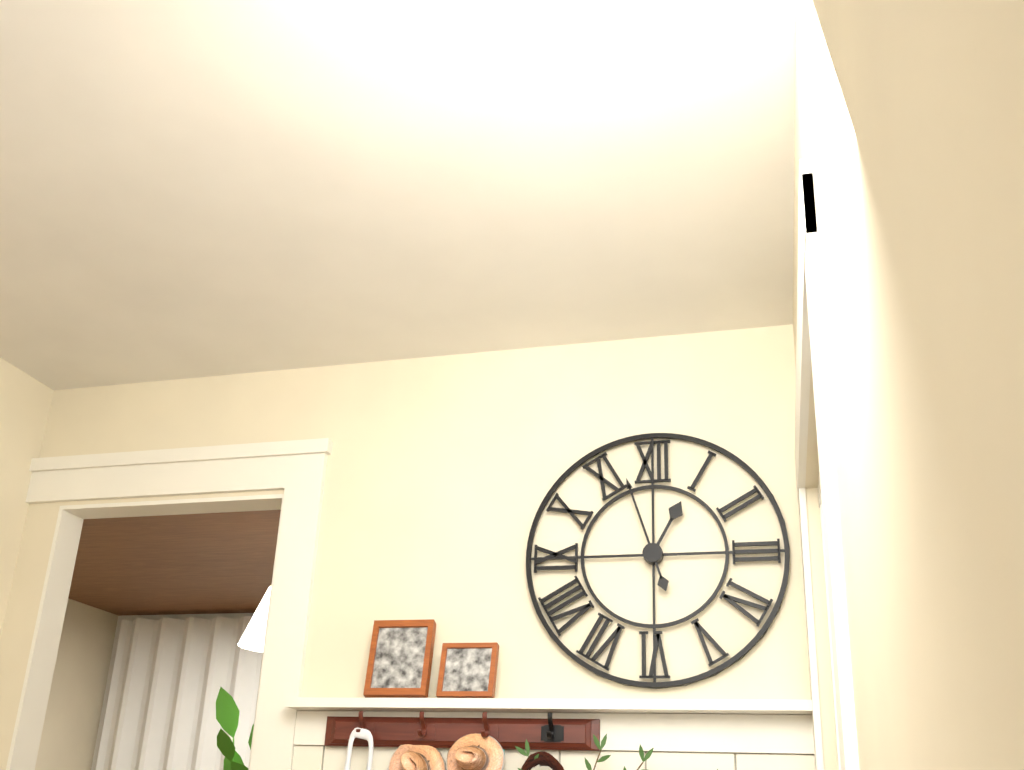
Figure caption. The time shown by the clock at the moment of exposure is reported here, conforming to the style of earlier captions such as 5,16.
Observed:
12,57
